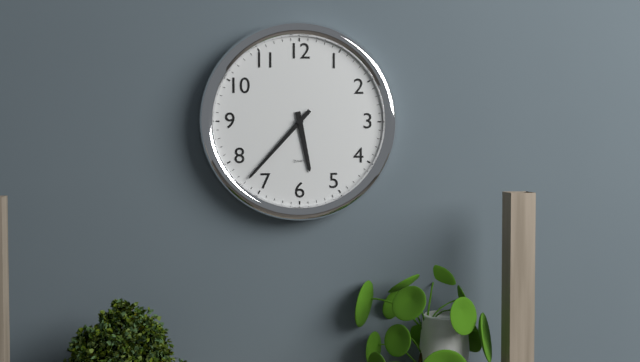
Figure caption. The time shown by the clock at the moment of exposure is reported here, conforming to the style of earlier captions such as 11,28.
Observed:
5,37
